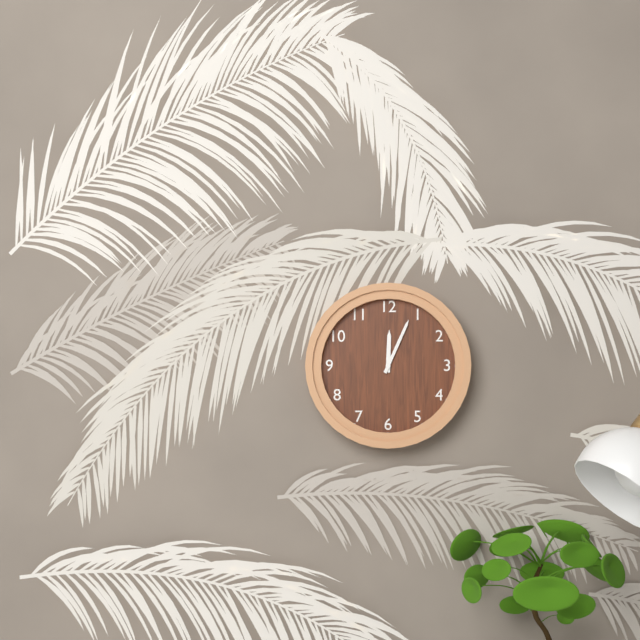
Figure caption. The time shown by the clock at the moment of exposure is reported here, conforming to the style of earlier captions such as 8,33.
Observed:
12,04
